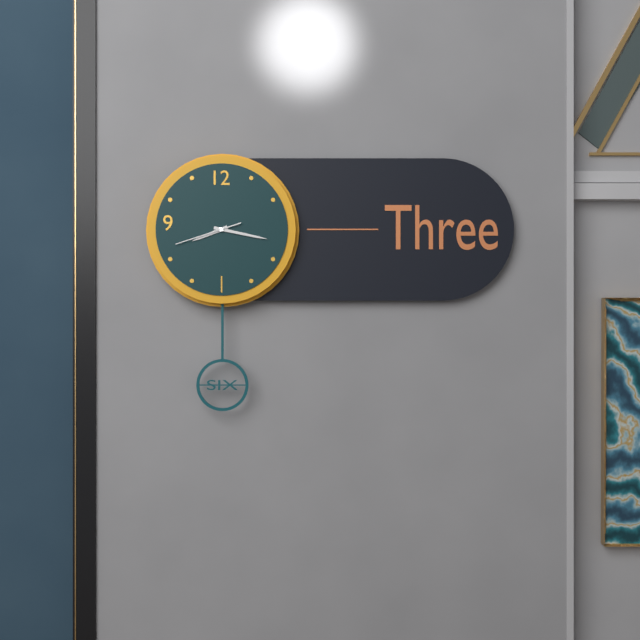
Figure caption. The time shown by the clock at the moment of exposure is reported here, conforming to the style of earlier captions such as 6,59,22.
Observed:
8,17,42
